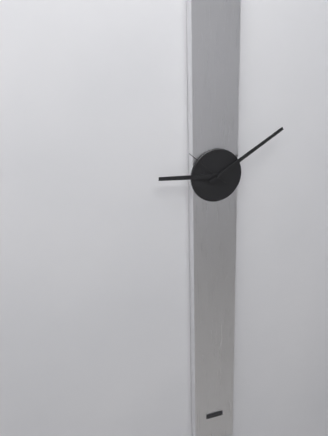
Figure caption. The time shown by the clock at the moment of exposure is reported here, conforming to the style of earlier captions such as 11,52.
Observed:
9,10
